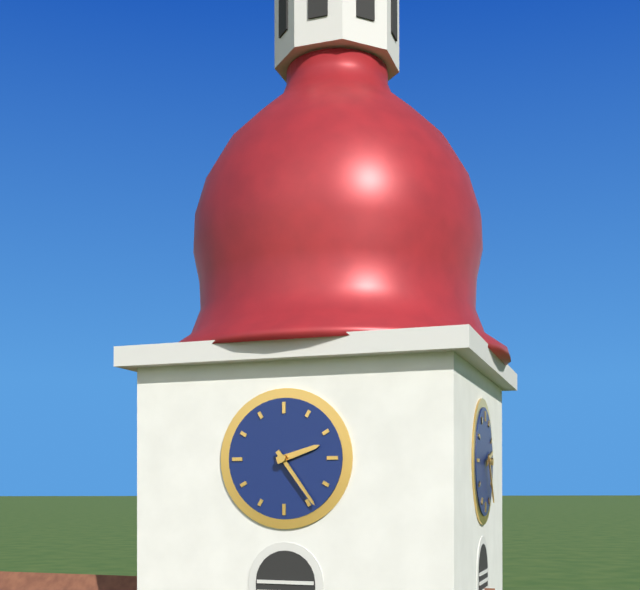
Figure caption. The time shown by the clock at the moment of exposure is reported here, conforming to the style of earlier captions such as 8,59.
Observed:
2,24
